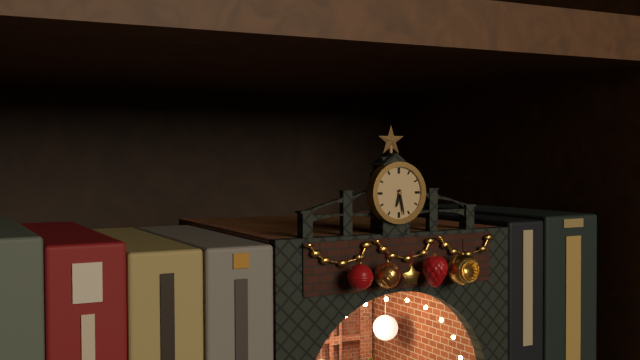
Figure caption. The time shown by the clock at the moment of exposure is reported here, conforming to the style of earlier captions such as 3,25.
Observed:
6,28
